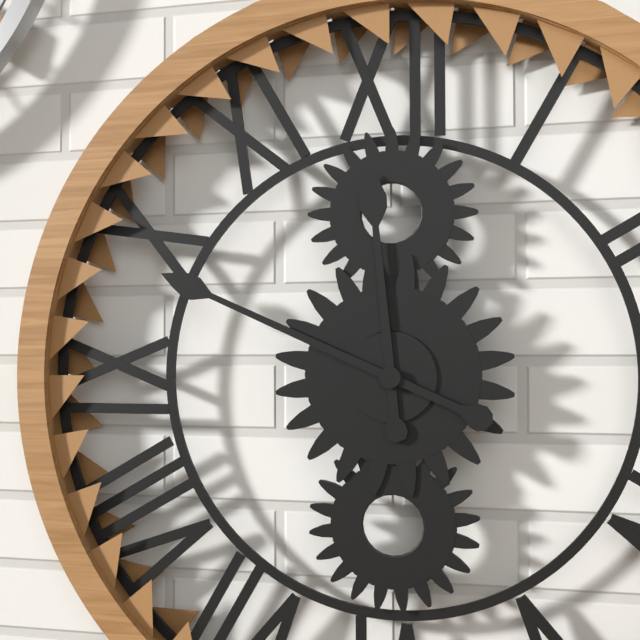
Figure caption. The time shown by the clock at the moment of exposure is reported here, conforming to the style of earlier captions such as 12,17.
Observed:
11,49
